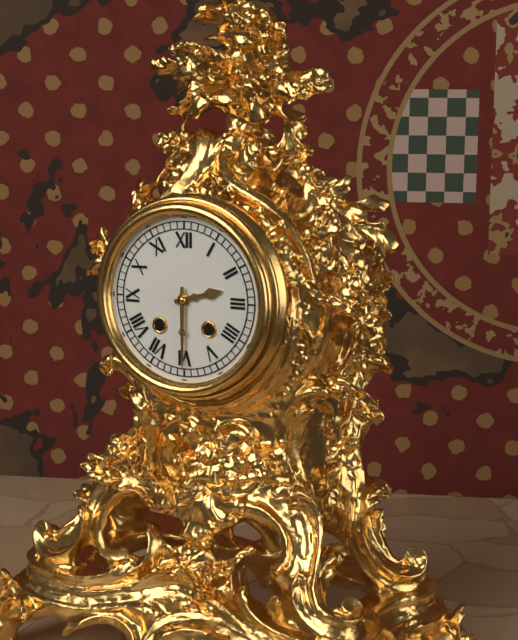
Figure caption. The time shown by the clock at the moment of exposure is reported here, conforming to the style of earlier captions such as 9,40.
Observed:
2,30
